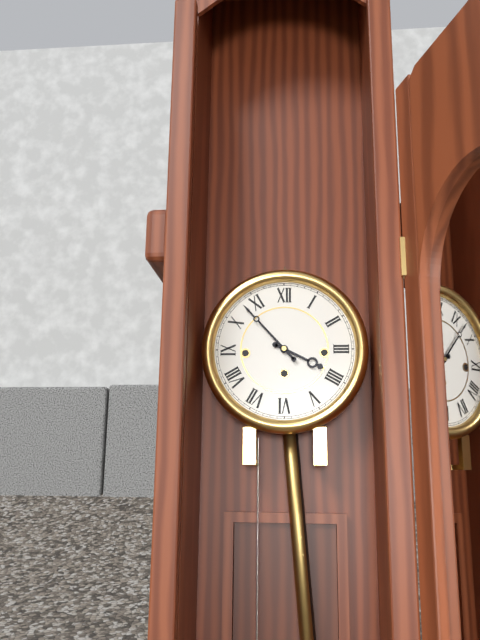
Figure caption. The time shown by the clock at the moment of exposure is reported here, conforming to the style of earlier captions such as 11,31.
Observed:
3,53
